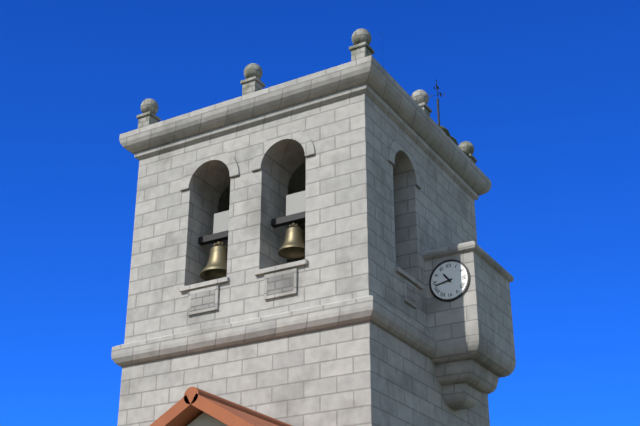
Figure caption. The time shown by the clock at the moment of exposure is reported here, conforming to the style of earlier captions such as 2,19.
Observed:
10,43
